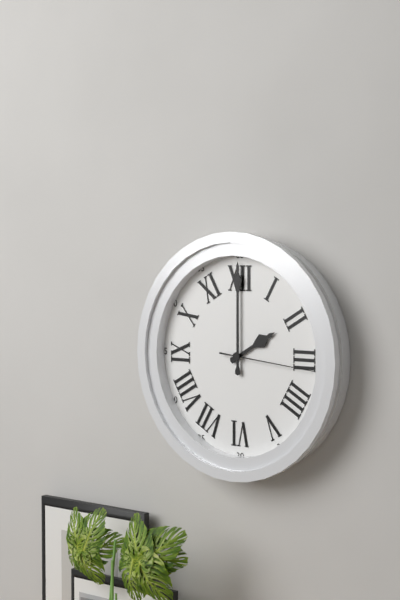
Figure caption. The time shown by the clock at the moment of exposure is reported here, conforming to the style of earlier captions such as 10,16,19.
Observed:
2,00,16
